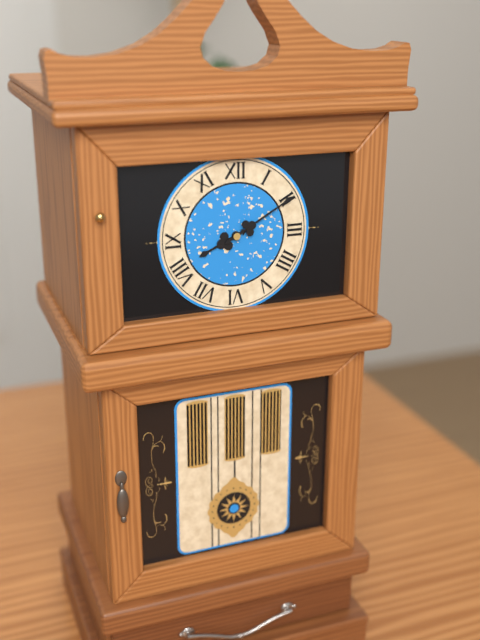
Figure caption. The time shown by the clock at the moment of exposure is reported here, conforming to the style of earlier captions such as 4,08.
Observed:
8,10
